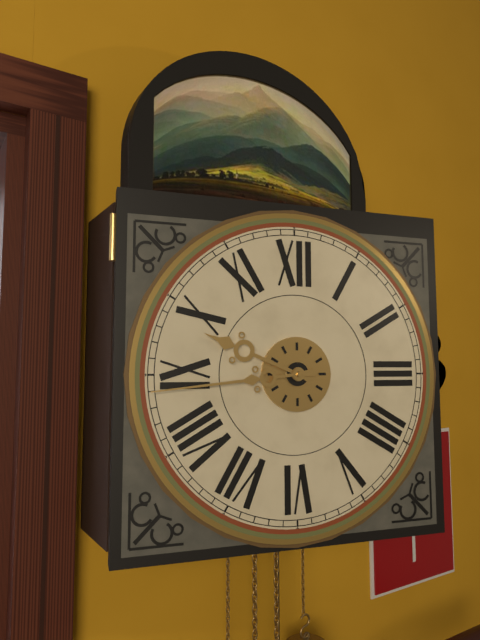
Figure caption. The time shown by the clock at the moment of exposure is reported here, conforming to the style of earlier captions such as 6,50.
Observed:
9,44
